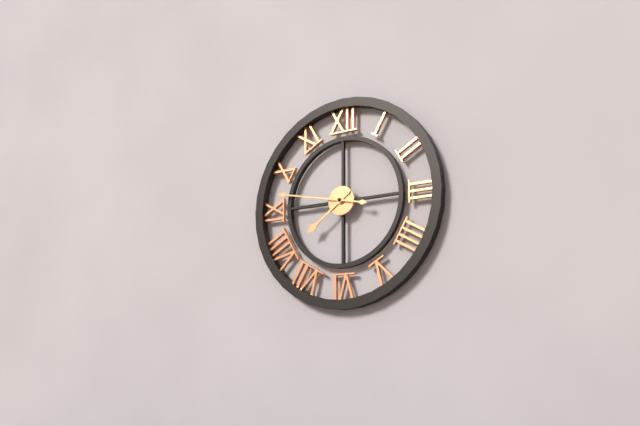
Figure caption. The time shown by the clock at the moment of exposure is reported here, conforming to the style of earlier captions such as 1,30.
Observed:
7,47
